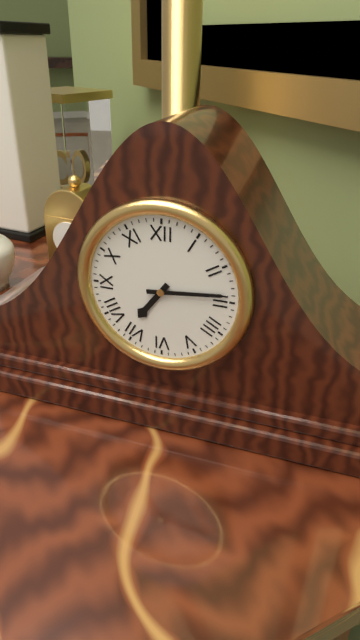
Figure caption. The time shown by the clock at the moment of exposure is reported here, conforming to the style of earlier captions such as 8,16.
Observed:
7,14
